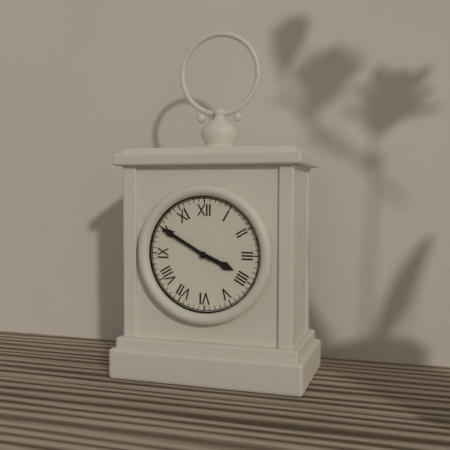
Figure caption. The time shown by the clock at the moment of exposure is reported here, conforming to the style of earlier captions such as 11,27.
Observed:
3,50
